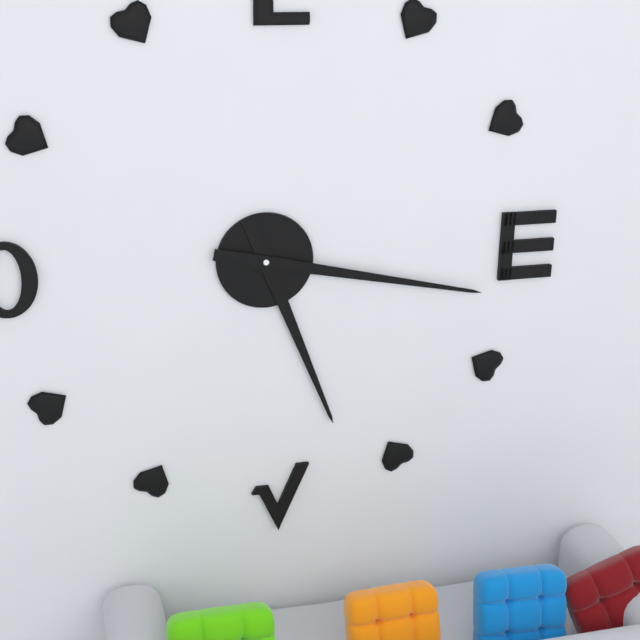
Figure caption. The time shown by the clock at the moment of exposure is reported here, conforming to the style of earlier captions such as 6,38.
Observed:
5,17
